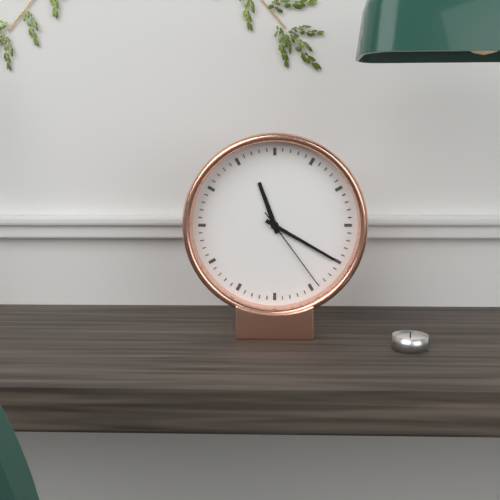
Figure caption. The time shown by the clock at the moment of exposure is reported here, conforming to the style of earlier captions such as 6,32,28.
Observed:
11,20,24
